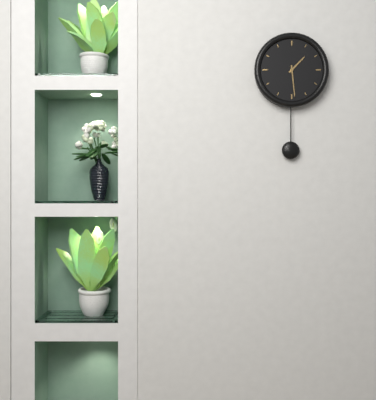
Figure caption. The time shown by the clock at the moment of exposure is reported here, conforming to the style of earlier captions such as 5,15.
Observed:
1,29
